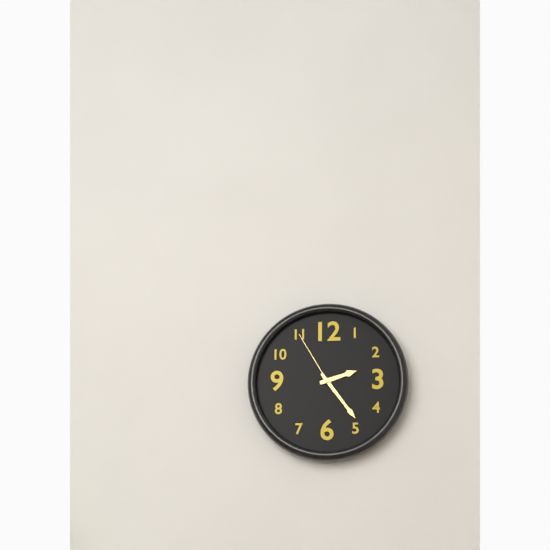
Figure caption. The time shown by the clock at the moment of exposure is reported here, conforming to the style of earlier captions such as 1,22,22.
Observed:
2,24,55
